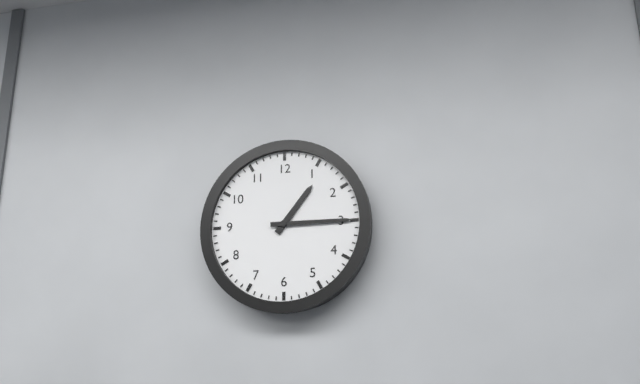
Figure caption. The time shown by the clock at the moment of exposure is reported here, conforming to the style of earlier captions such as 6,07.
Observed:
1,15
